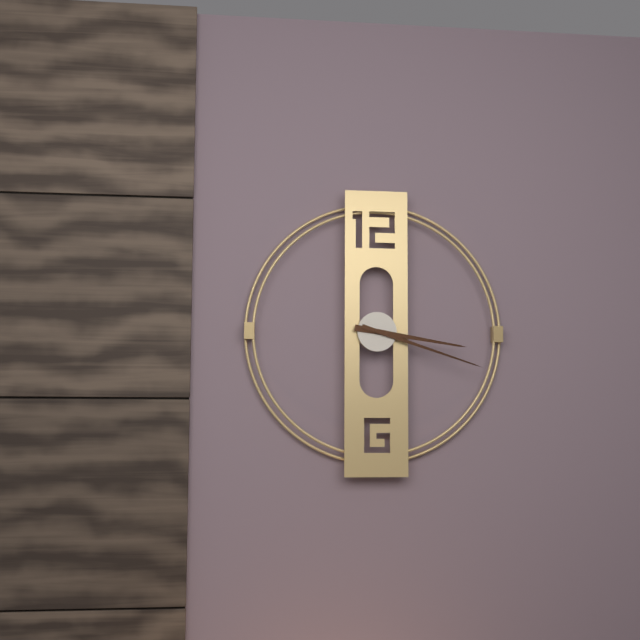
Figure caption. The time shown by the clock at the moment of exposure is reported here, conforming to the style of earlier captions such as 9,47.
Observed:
3,18
